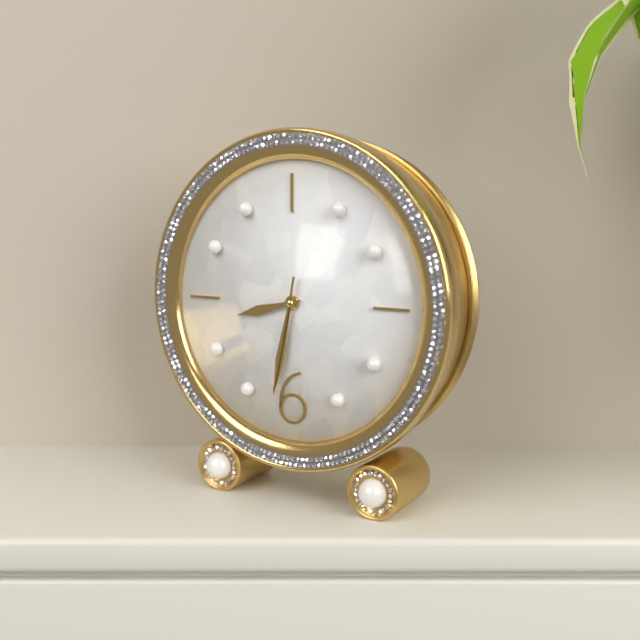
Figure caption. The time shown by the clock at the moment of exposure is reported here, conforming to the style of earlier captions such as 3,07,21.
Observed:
8,32,32
